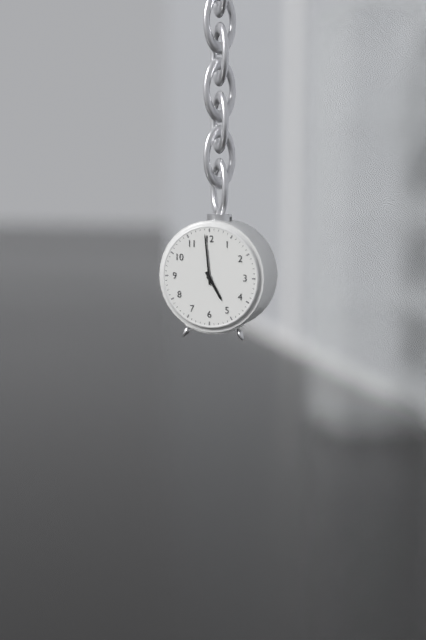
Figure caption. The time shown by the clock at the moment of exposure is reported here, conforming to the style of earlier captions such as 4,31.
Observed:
4,59
